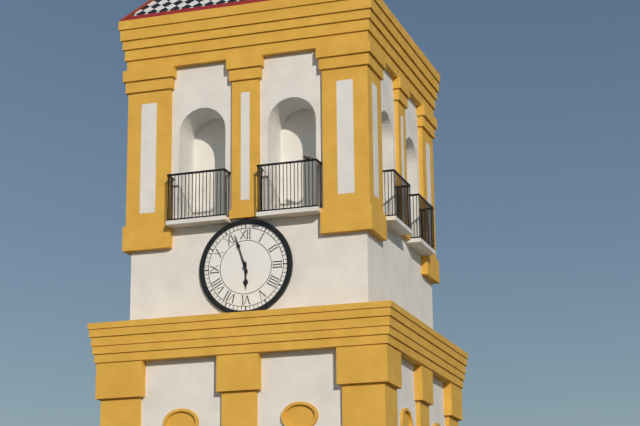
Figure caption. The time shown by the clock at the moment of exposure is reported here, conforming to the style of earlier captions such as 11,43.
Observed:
5,57
